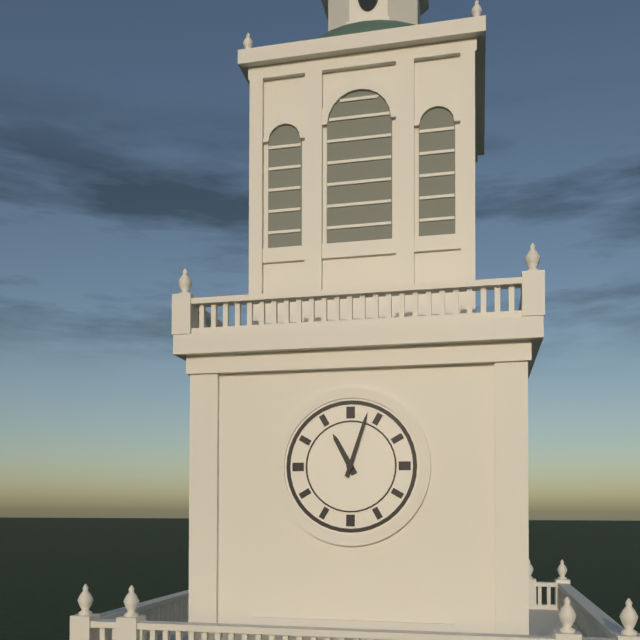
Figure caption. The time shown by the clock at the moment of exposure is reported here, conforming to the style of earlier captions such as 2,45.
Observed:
11,03
